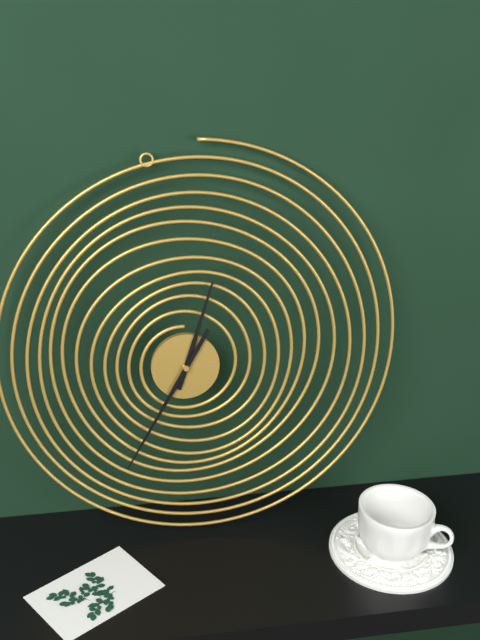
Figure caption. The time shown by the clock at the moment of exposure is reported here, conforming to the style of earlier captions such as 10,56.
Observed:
12,35
